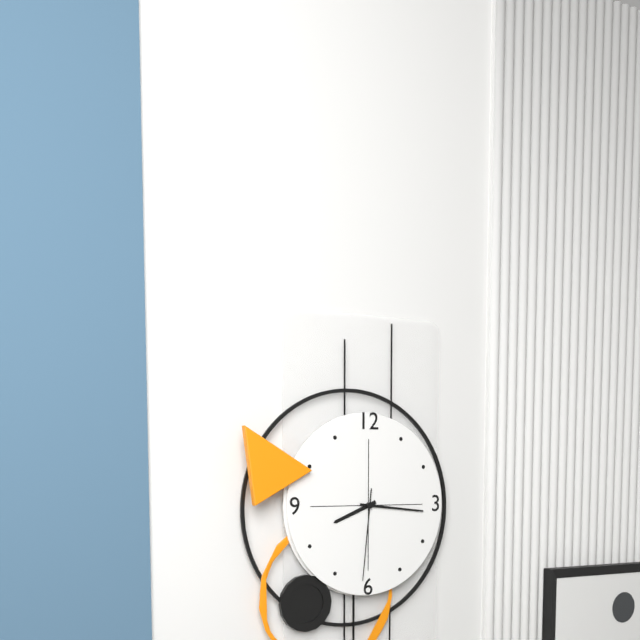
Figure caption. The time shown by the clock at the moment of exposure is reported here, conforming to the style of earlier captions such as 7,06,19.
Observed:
8,16,31
